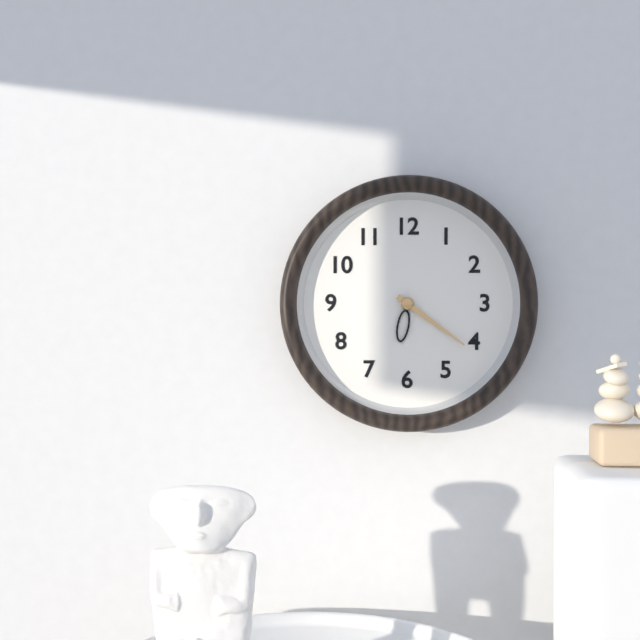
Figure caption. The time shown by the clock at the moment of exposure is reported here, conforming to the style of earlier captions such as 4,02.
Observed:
6,21
